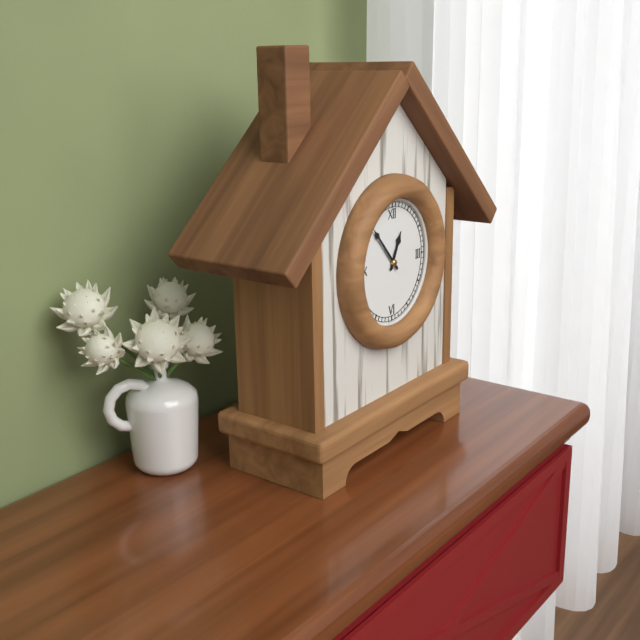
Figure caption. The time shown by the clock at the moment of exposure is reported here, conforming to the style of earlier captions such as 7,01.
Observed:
12,53
